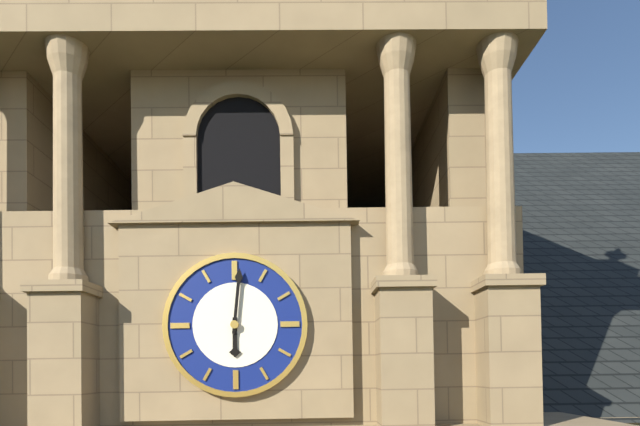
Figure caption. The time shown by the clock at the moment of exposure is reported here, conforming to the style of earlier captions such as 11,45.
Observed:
6,01
